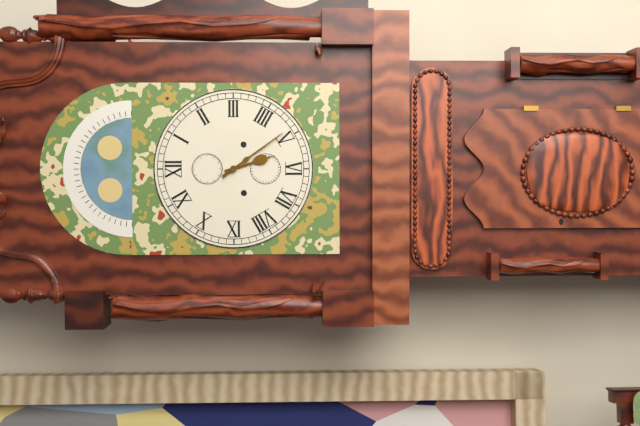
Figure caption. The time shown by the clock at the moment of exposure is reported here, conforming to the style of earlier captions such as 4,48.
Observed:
5,24
